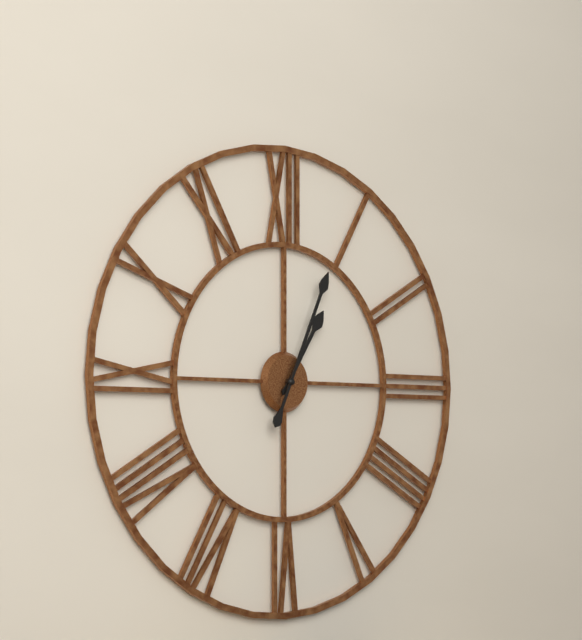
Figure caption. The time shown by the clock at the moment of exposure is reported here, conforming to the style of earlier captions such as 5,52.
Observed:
1,04
